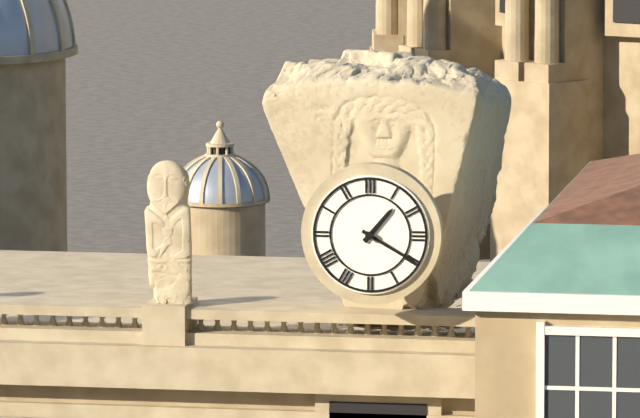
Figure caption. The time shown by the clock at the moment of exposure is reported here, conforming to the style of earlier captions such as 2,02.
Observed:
1,20
